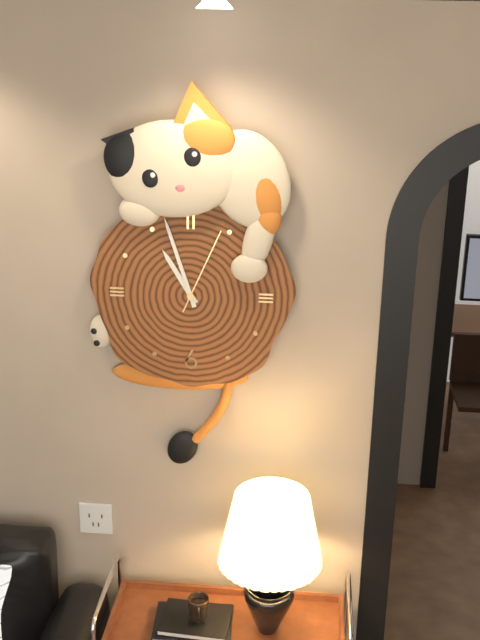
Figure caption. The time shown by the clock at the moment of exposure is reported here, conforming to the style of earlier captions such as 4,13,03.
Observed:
10,57,04
